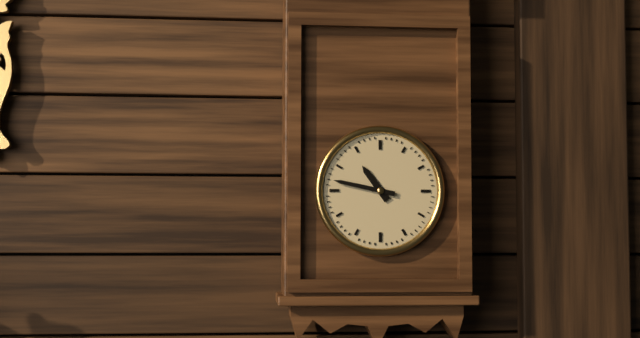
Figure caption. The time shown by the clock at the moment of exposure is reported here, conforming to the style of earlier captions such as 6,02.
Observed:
10,47
